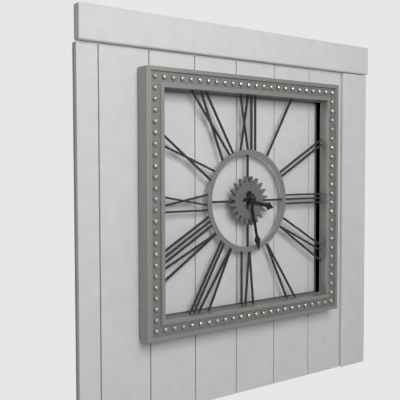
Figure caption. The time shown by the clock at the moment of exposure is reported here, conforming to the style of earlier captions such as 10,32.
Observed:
3,28
